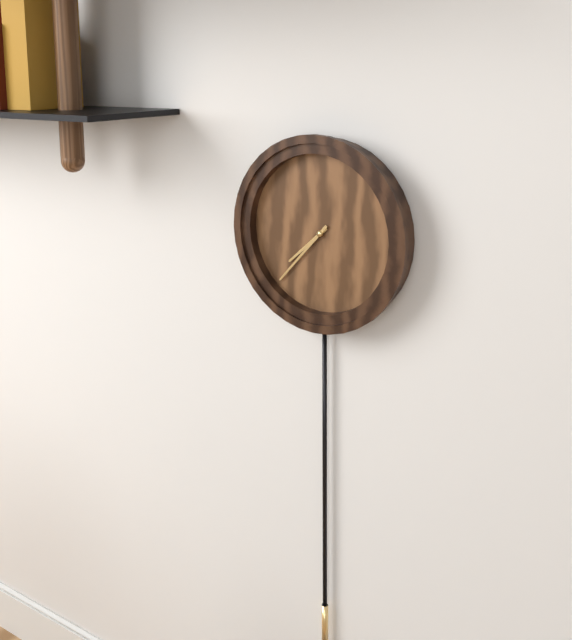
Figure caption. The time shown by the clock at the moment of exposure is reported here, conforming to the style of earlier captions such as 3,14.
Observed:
7,37
